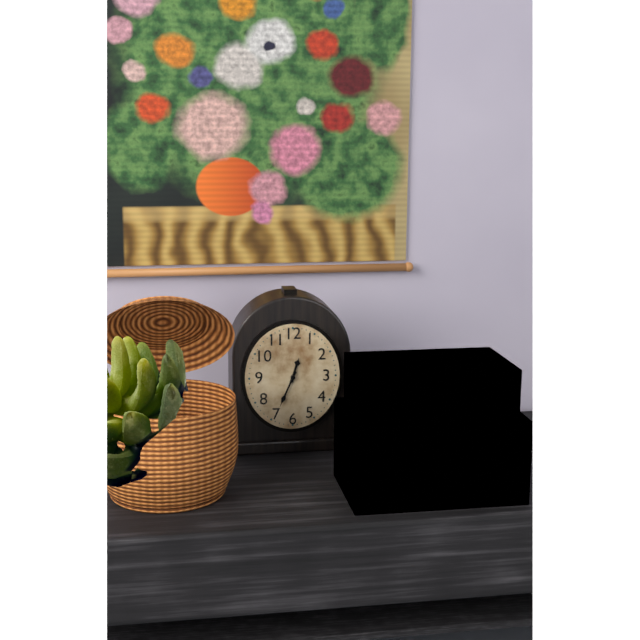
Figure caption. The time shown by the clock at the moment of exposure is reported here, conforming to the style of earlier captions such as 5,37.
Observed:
12,34
